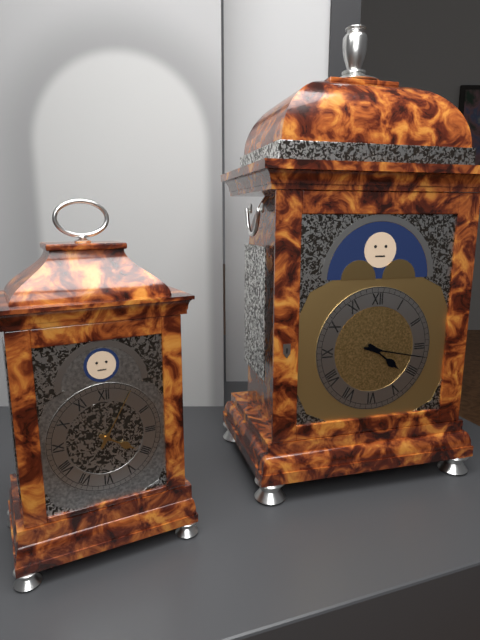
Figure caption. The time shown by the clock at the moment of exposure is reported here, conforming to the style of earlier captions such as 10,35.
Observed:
4,17
